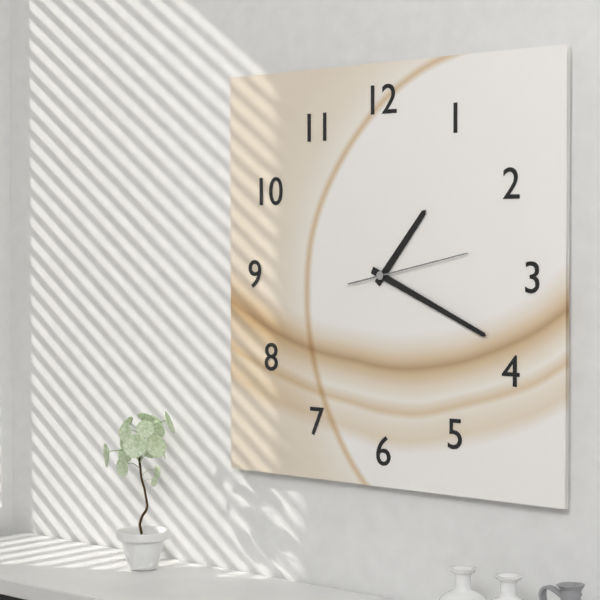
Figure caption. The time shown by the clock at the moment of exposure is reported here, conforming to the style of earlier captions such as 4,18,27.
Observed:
1,19,13
